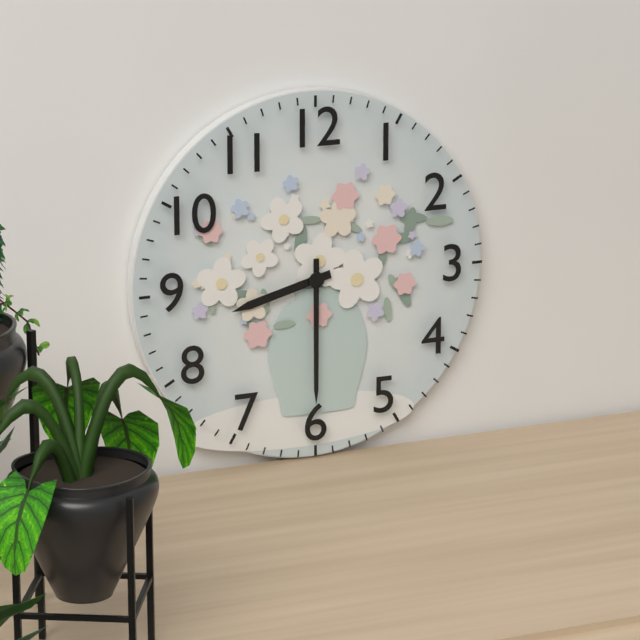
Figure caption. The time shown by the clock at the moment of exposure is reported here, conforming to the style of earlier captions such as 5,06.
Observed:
8,30
